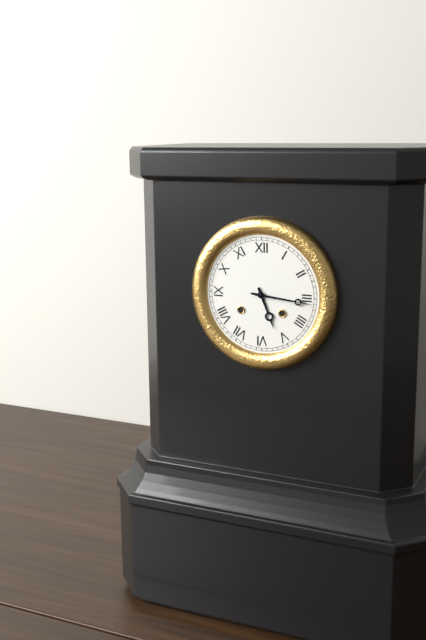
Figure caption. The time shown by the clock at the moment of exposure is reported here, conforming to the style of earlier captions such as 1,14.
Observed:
5,16
